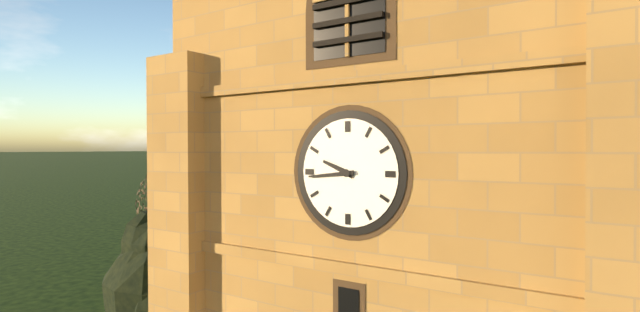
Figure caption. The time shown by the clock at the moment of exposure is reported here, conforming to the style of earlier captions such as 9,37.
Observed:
9,44
